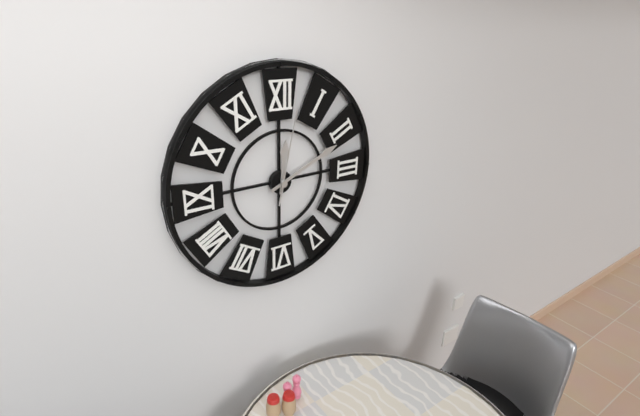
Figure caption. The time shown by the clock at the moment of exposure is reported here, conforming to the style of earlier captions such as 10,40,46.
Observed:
12,11,02
